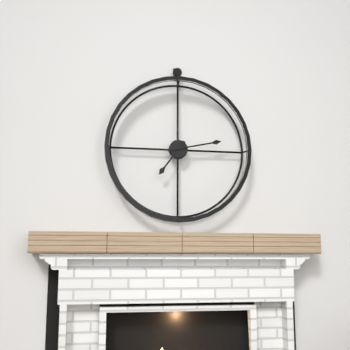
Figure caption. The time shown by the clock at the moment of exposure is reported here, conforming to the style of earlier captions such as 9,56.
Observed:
7,13
